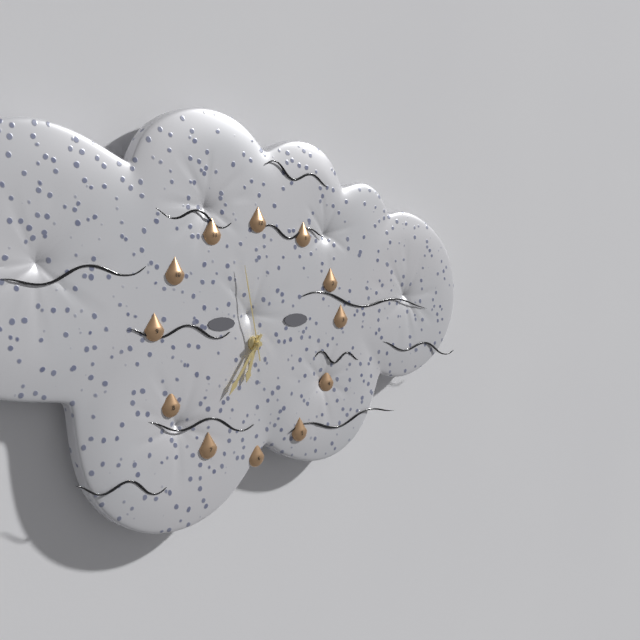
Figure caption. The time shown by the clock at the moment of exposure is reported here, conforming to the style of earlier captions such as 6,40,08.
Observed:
6,36,58
